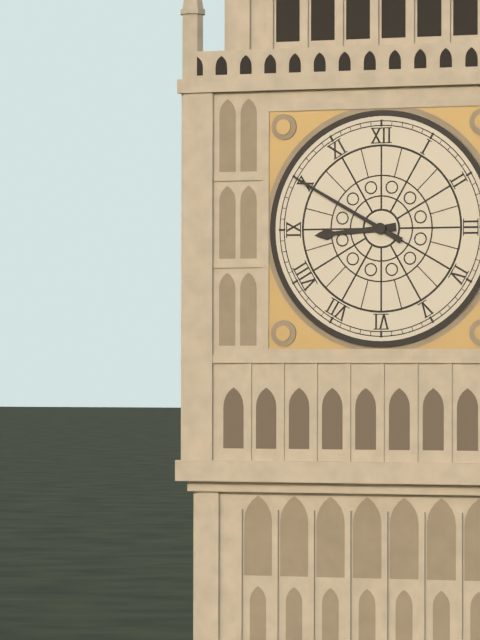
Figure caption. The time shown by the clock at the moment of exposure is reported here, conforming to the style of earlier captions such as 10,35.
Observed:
8,50
